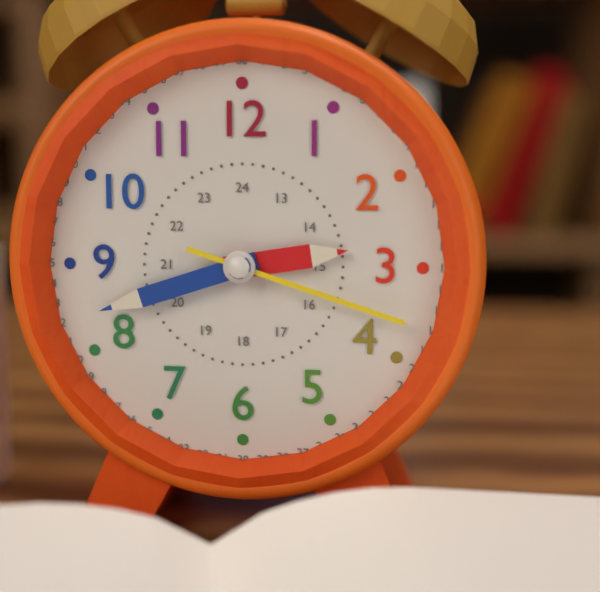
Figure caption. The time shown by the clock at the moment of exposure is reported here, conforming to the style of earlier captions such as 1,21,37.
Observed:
2,42,18
